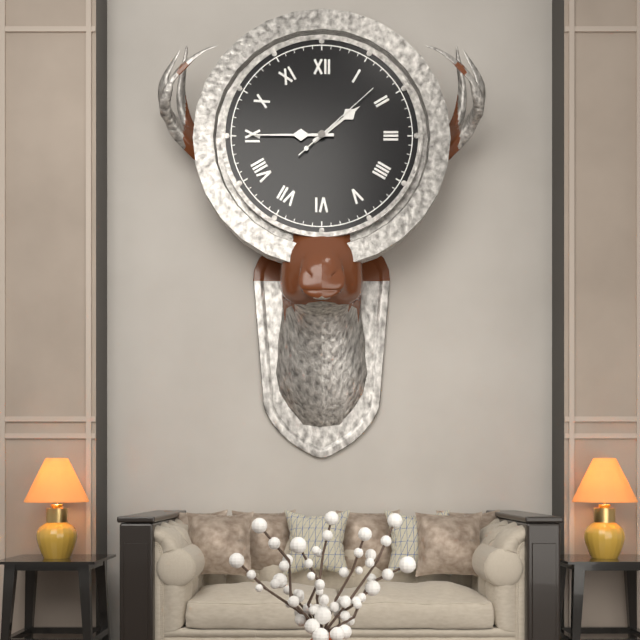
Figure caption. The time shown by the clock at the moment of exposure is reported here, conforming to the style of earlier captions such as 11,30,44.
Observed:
1,45,08
